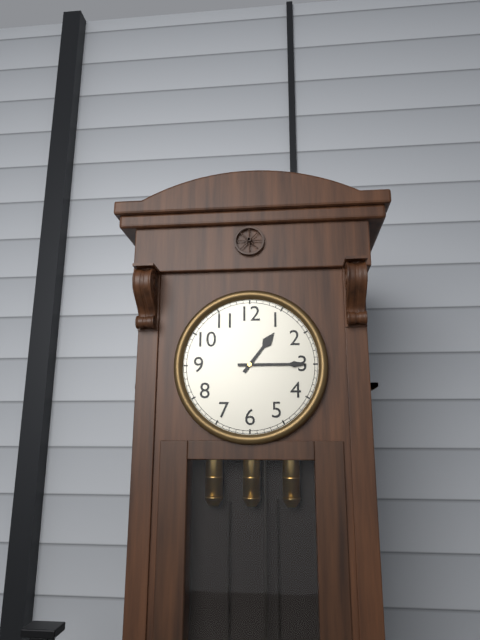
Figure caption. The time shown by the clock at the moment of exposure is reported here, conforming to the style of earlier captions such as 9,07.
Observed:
1,15
